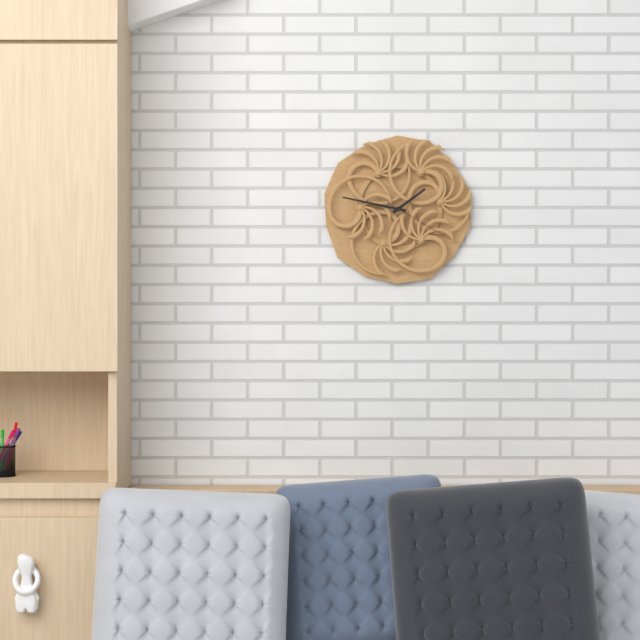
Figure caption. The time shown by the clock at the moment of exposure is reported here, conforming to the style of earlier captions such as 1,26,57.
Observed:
1,47,20
